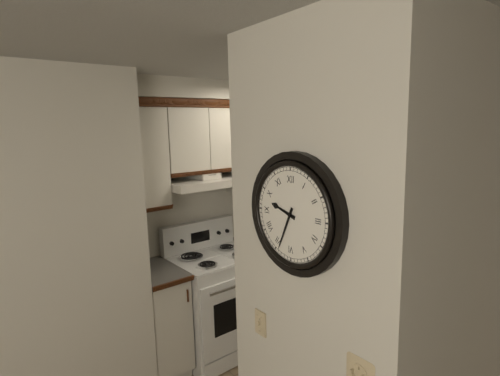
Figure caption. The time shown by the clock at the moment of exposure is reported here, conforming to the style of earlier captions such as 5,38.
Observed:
9,34
